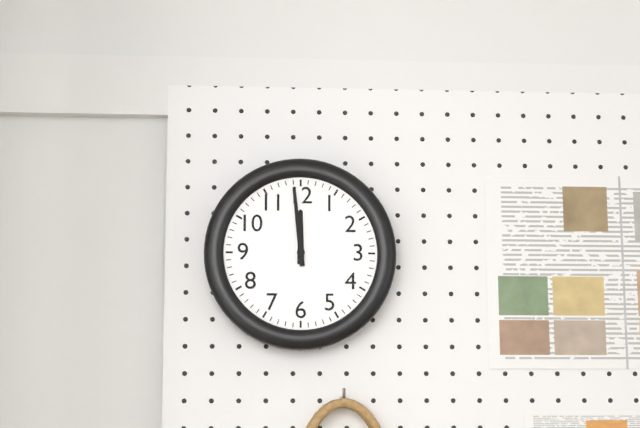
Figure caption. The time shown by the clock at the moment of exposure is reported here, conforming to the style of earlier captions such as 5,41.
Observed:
11,59
